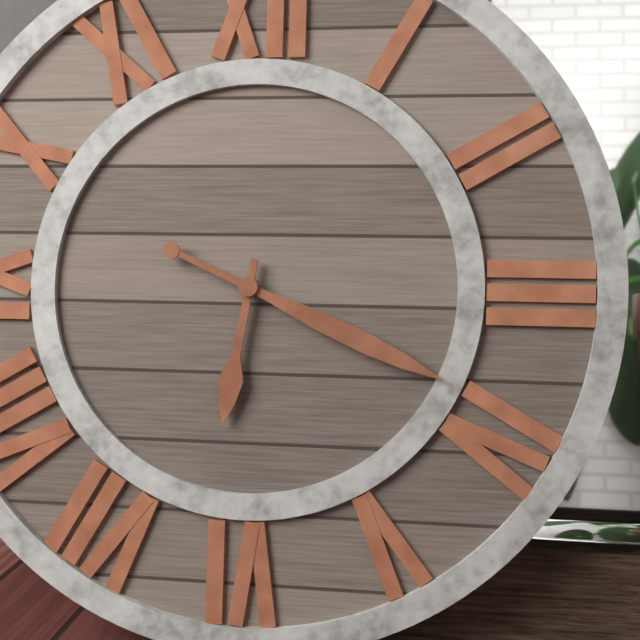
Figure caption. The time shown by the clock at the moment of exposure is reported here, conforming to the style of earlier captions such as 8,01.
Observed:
6,19
